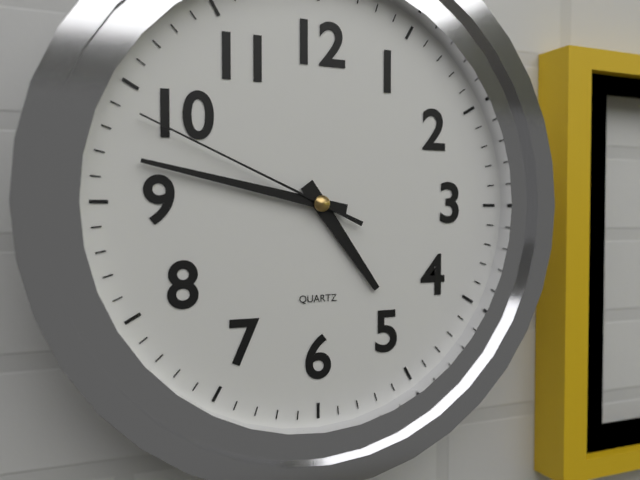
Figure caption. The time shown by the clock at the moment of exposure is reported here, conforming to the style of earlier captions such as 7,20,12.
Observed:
4,47,49
